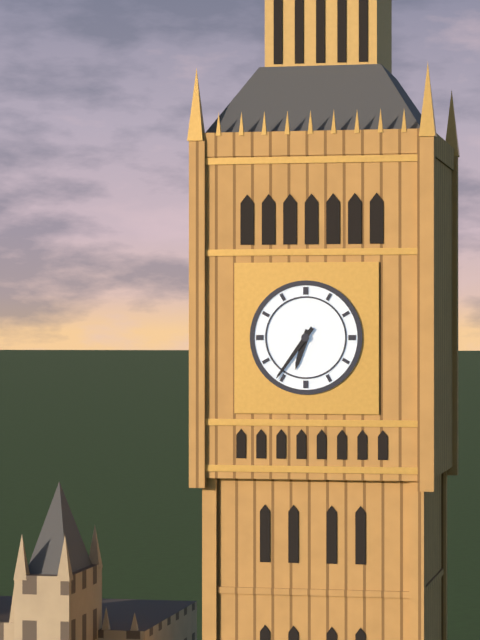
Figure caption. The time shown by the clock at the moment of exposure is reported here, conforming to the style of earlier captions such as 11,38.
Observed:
6,36
